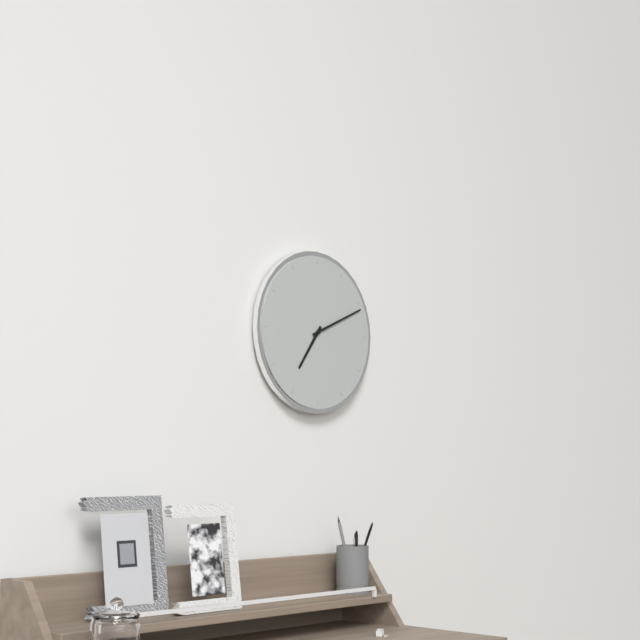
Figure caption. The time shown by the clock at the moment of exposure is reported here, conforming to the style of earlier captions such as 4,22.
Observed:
7,11
